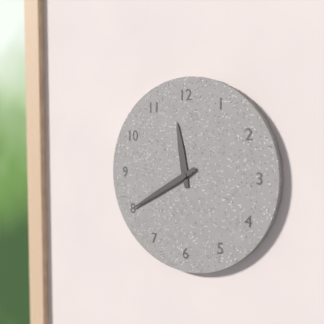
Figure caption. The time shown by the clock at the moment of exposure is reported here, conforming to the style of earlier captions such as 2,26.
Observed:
11,40
